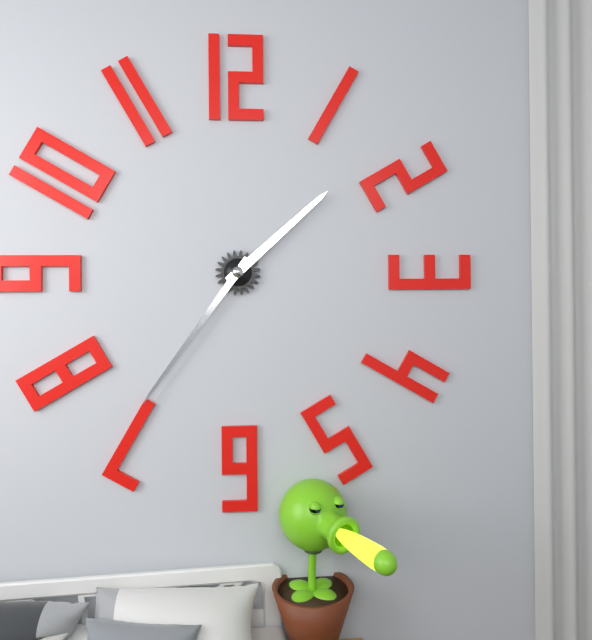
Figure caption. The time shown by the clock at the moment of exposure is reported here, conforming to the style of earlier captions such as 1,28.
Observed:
1,36
